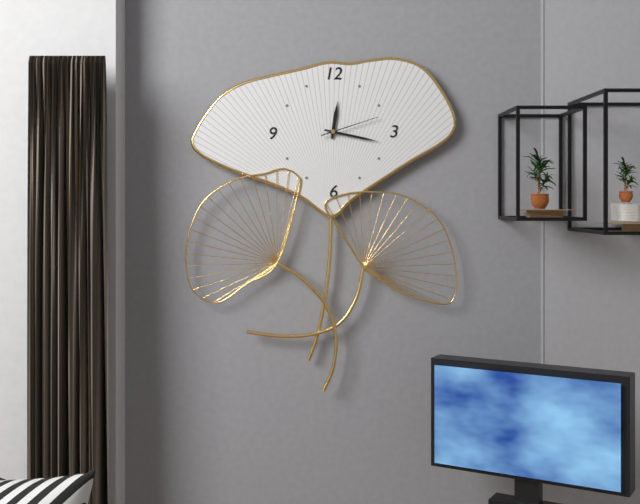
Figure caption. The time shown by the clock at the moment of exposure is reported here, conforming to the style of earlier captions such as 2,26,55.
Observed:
12,17,12
